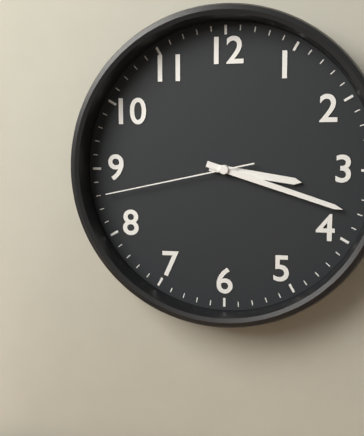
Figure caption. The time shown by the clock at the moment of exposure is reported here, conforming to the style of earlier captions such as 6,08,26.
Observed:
3,18,43
